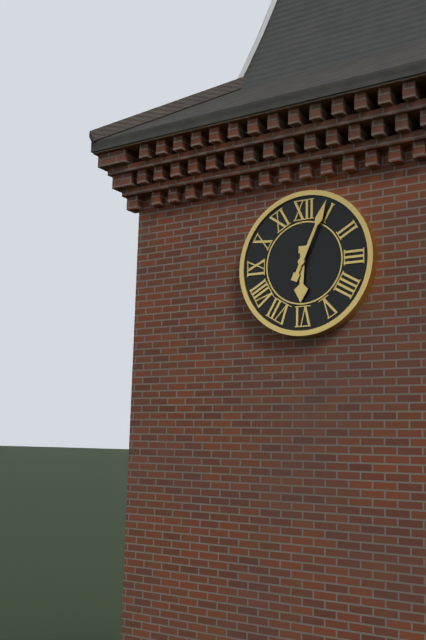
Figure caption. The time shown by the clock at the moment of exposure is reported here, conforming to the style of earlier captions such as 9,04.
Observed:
6,04
